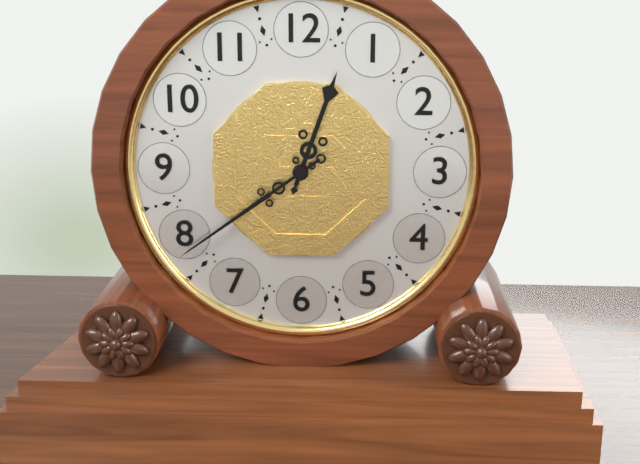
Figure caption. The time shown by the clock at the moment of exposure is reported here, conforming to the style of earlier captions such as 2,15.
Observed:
12,39
